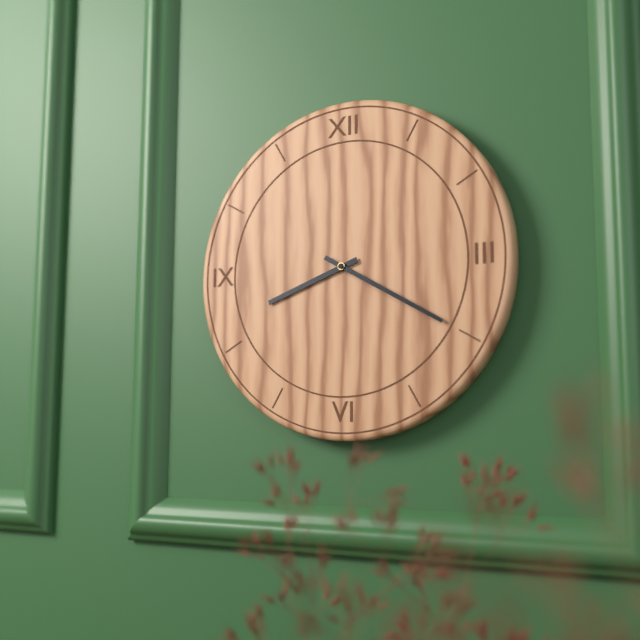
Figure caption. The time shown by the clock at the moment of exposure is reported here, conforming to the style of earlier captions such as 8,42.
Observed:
8,20
